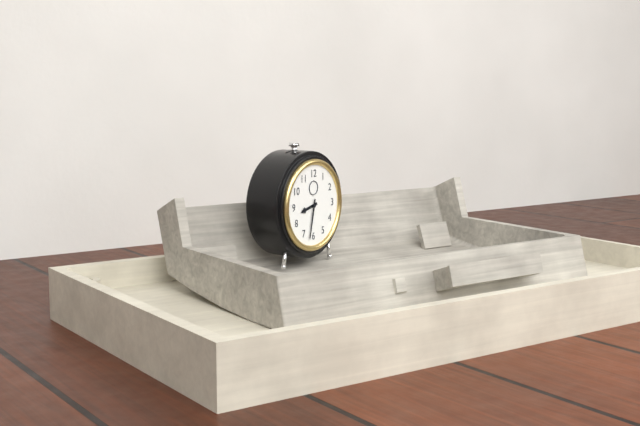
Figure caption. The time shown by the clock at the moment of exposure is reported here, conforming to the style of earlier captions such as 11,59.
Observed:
8,32
